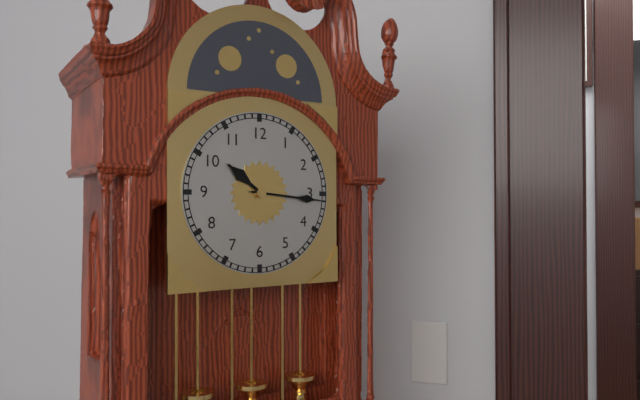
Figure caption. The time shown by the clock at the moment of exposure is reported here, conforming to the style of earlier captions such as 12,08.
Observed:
10,16
